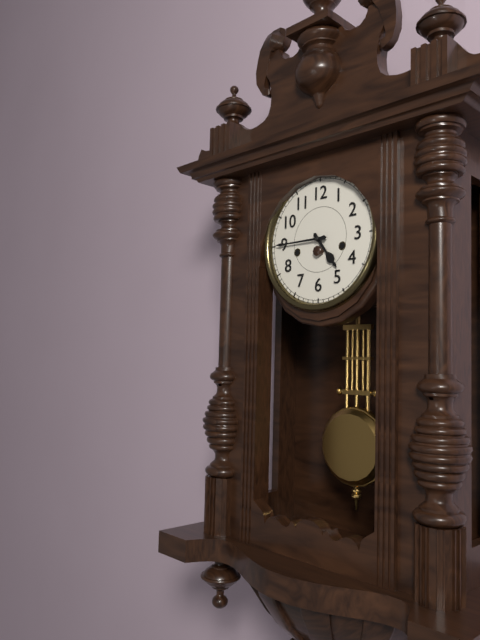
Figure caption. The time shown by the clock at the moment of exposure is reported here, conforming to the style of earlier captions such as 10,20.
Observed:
4,45
